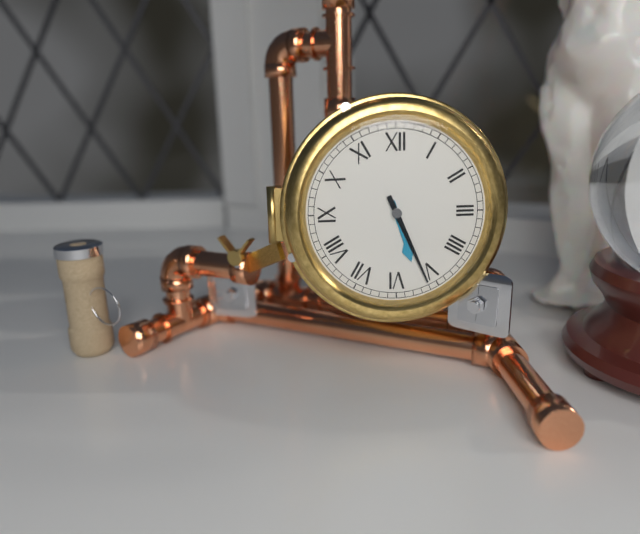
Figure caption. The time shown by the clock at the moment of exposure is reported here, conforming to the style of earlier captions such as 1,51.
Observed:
5,26
